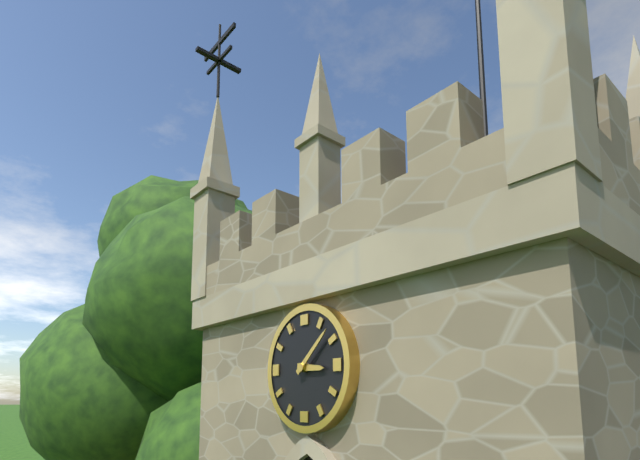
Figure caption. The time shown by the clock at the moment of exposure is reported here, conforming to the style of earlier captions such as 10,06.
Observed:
3,08
